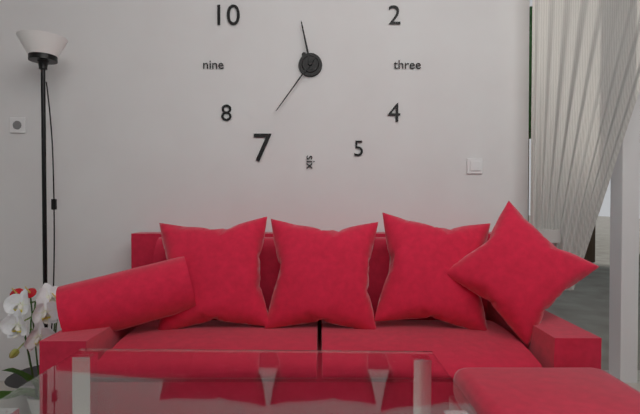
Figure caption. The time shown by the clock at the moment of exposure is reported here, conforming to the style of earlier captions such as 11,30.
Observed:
11,36
